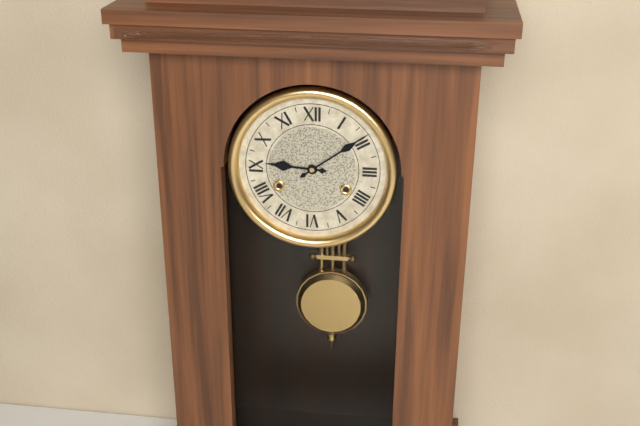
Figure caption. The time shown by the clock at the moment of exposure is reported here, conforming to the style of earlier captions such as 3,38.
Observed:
9,09
